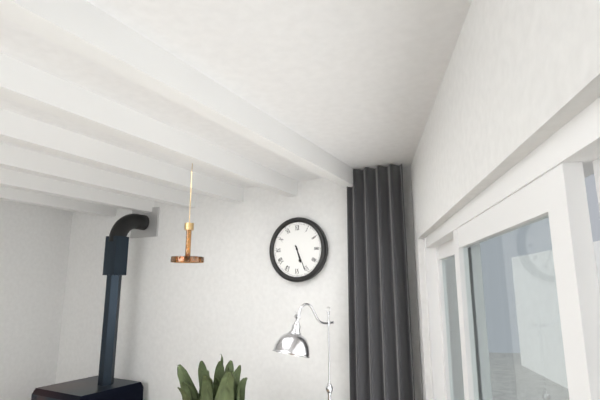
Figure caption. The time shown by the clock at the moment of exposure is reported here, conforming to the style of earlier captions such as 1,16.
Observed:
5,26
